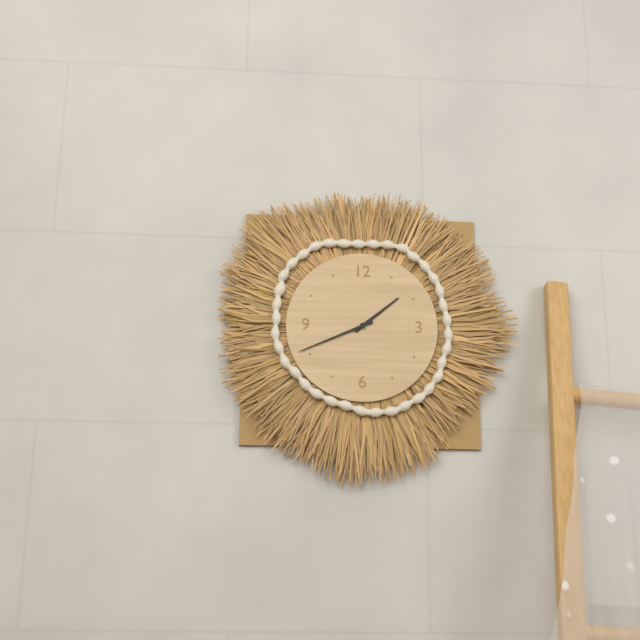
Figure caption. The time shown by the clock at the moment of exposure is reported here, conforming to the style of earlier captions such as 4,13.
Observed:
1,41
